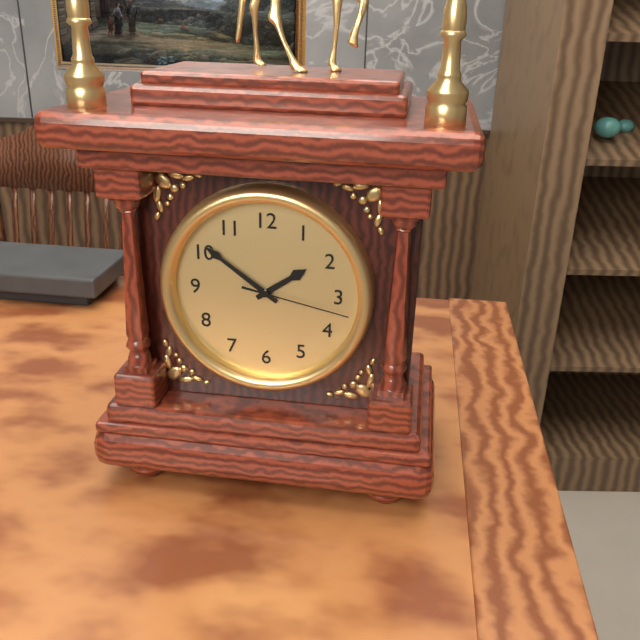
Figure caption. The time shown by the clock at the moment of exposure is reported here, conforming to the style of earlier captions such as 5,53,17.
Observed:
1,51,17
